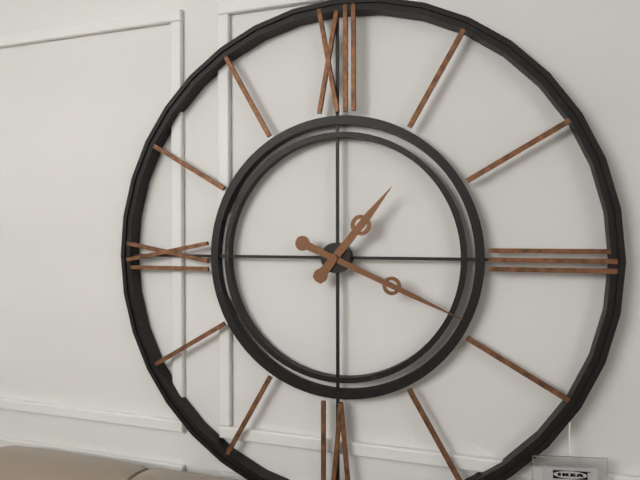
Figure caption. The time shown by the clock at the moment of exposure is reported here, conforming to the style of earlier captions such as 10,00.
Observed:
1,19
